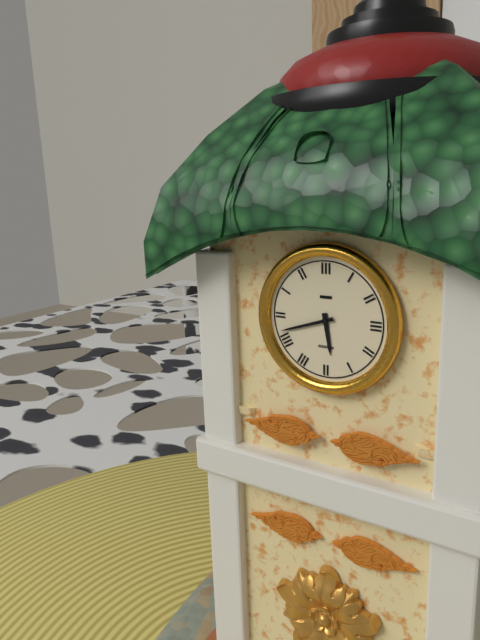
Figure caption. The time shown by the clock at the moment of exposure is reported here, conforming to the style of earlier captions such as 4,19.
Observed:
5,42
